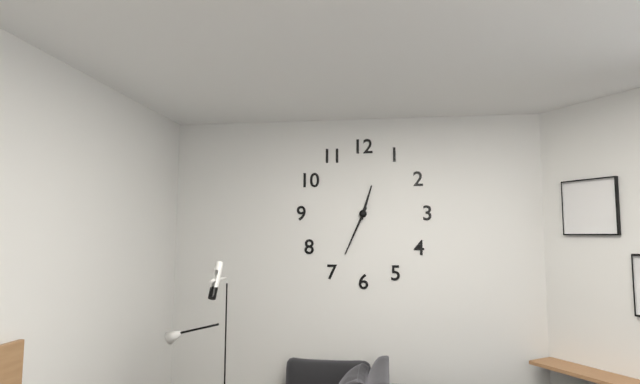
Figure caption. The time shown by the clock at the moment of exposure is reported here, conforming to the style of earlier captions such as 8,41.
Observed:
12,34
